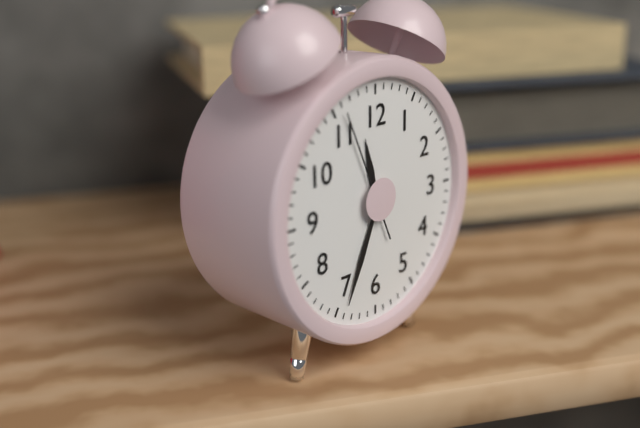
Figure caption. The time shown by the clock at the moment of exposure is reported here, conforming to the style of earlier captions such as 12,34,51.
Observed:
11,34,56
